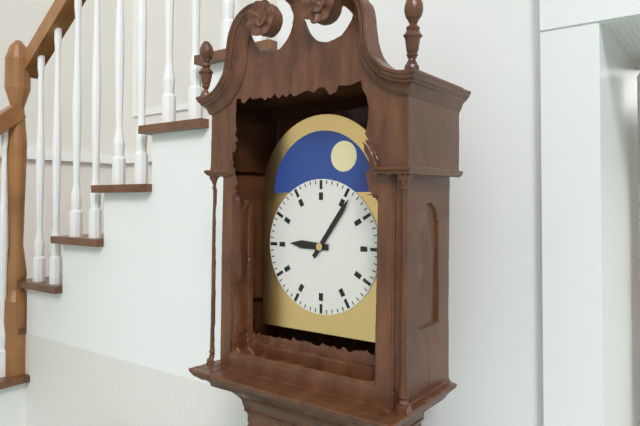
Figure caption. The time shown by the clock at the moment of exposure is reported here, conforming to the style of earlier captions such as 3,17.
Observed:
9,06
